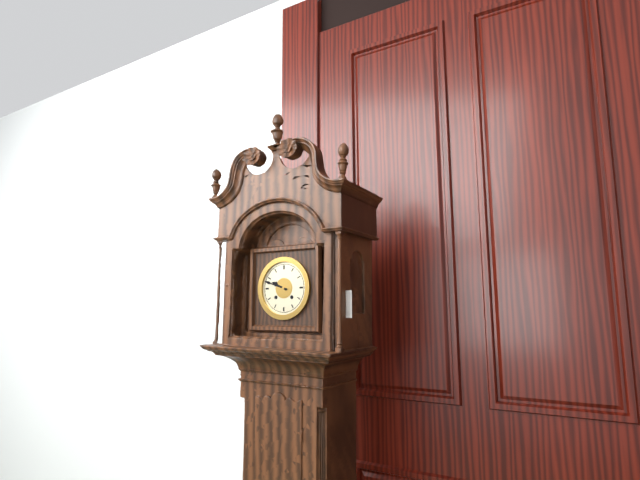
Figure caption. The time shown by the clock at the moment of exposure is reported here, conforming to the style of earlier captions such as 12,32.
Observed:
9,48
